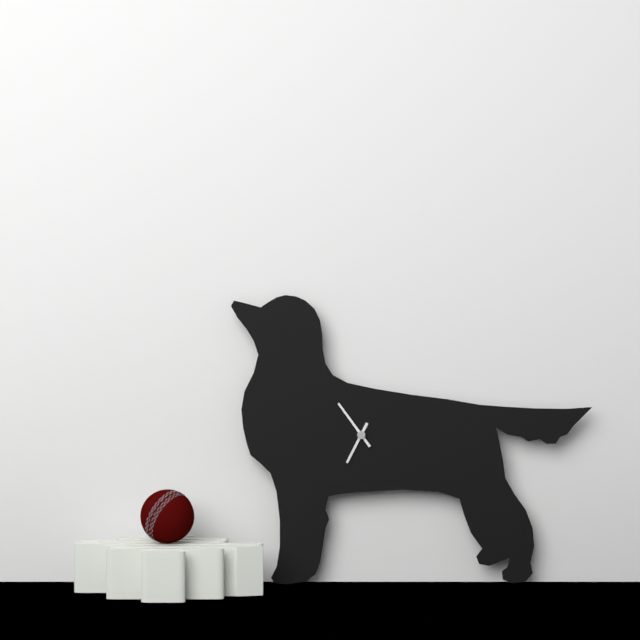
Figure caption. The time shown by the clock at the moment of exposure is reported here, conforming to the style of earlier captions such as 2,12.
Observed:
6,54
